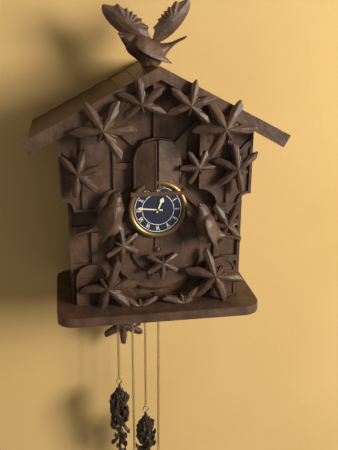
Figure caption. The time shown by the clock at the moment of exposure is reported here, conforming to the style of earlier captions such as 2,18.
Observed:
12,46
